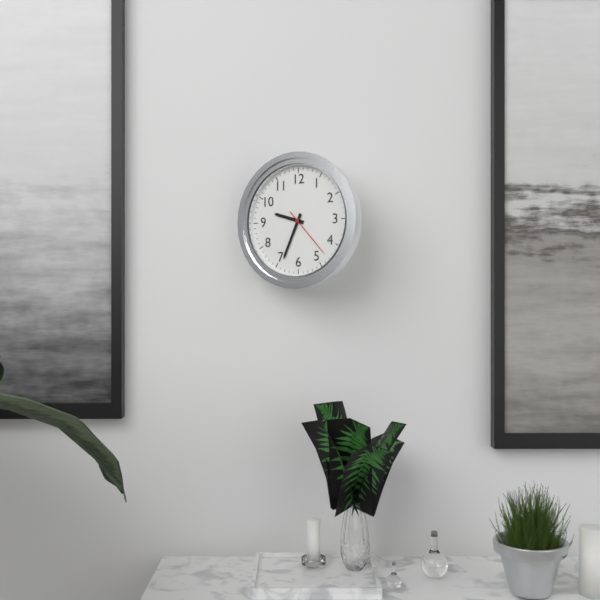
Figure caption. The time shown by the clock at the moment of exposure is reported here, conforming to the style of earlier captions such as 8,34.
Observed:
9,34
